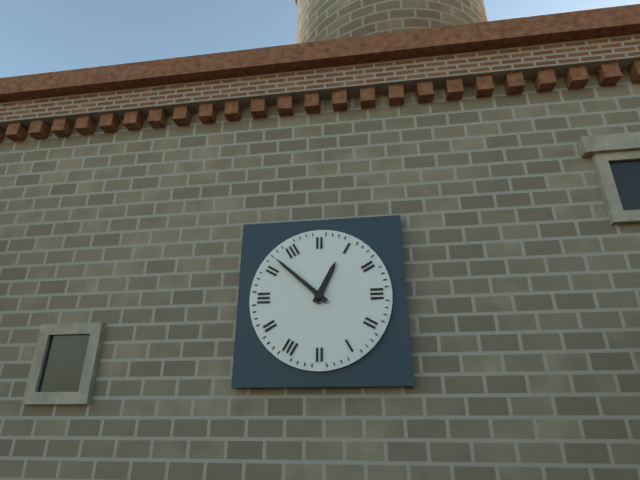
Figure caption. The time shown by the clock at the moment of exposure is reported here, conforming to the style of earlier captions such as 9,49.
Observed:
12,52
